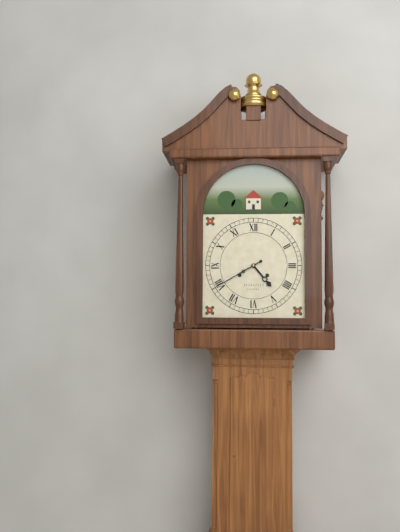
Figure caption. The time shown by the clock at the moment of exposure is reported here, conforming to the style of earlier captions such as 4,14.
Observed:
4,40
